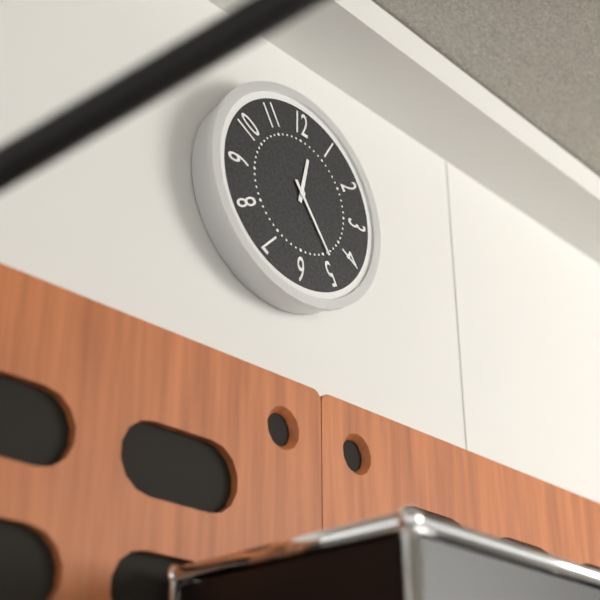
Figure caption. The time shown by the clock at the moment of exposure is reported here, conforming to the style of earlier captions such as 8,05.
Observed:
12,24
